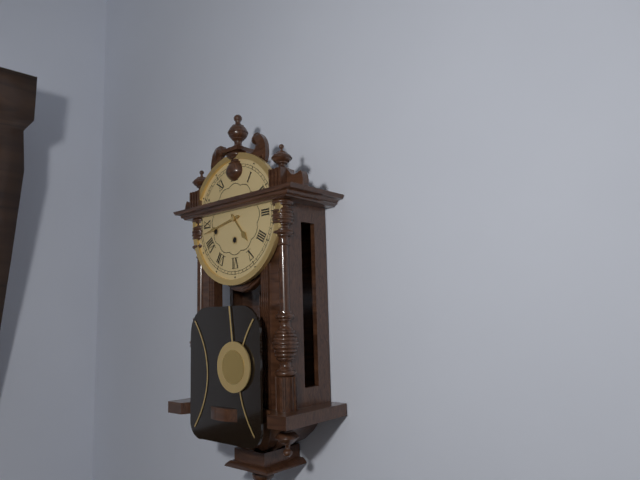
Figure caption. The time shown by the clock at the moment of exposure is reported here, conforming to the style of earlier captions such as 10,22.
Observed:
4,43
